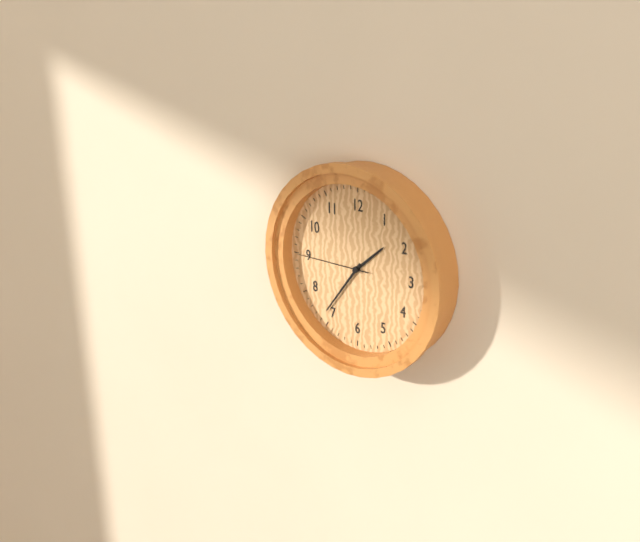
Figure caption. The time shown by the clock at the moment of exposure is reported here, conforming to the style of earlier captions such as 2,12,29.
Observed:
1,36,45
